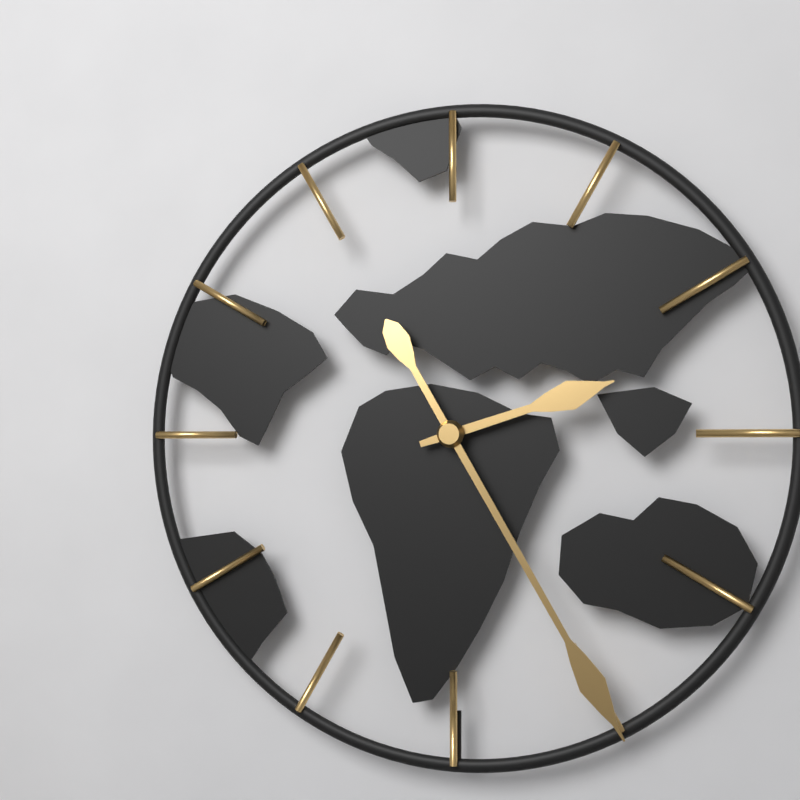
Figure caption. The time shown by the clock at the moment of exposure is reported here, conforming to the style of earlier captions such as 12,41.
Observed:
2,25
